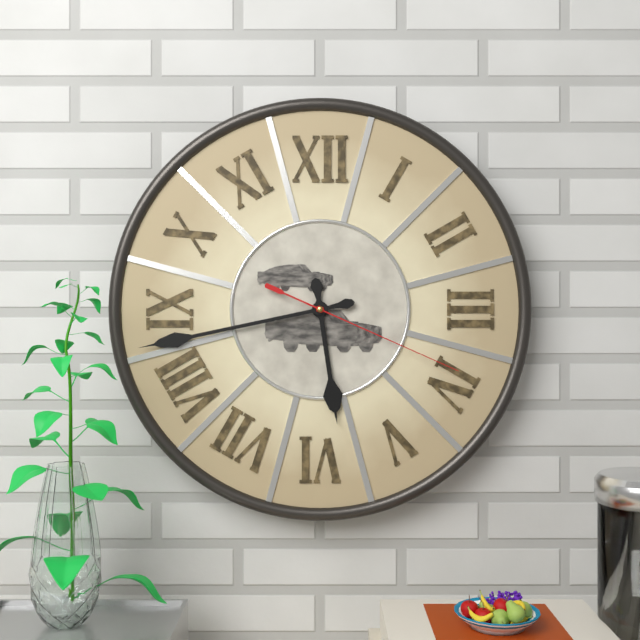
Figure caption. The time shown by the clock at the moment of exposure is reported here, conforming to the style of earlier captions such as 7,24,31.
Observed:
5,43,19
